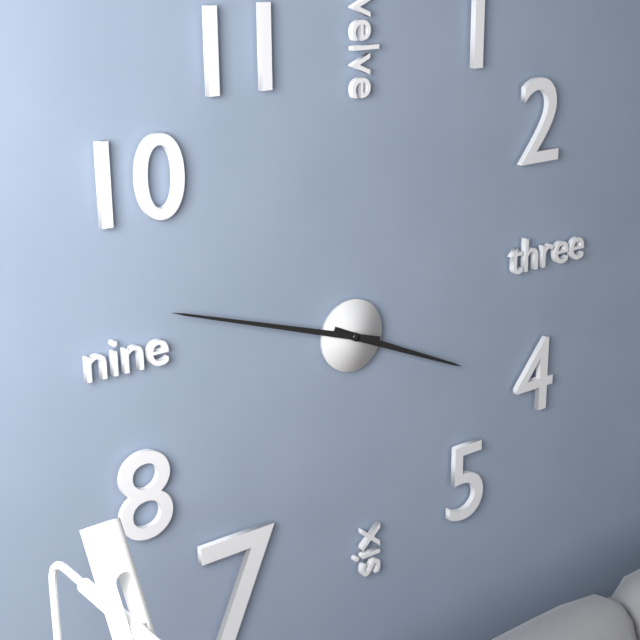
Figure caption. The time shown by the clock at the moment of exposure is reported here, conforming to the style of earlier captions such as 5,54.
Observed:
3,48
